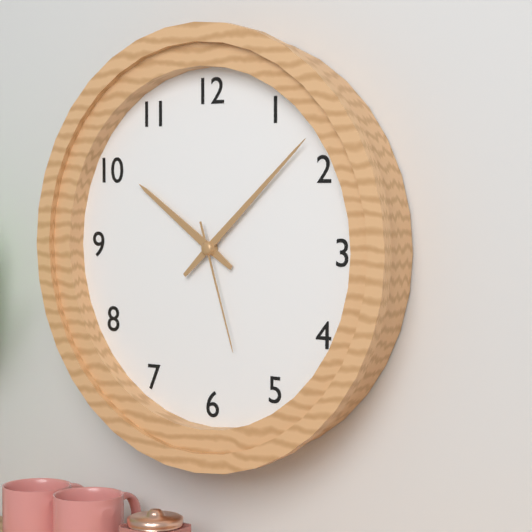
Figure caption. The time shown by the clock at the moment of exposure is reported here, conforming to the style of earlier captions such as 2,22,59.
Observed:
10,08,27
